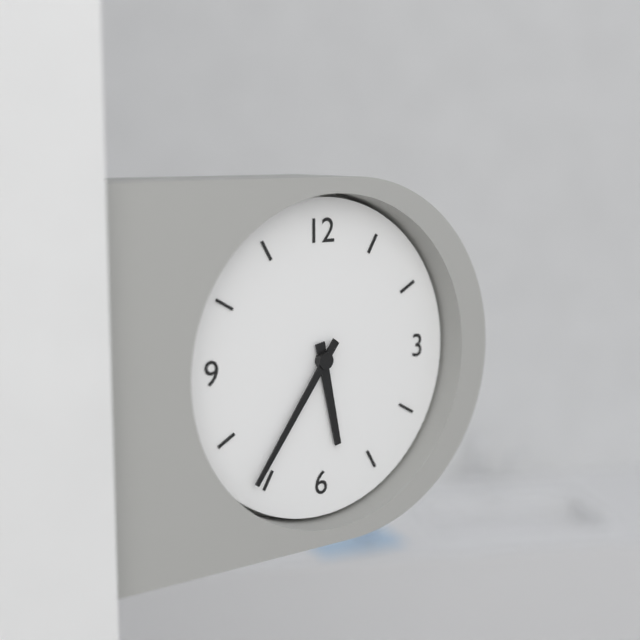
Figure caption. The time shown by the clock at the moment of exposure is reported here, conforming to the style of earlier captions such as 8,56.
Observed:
5,36
